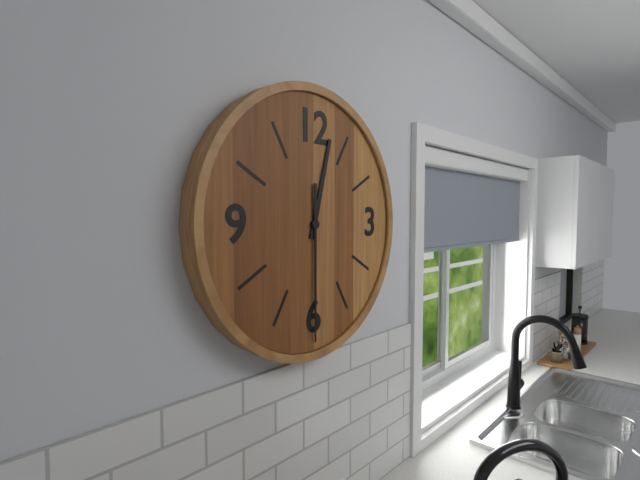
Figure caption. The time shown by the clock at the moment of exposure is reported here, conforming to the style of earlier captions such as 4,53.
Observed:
12,30
